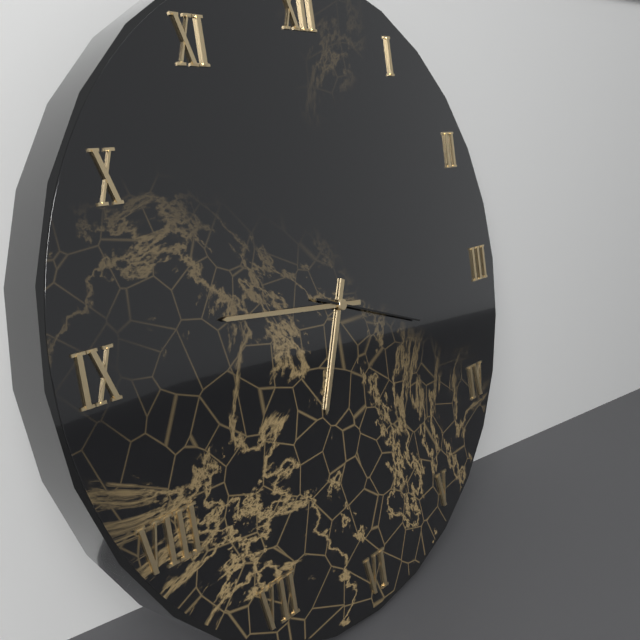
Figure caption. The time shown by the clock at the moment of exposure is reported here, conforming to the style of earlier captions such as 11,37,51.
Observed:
6,46,18
